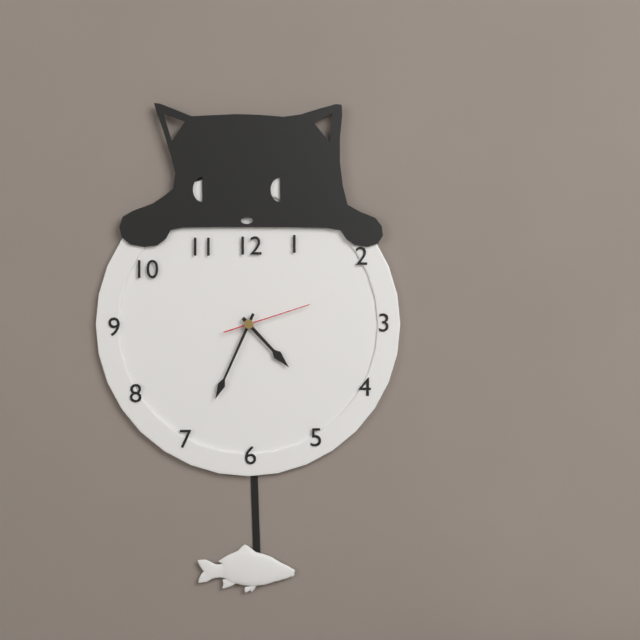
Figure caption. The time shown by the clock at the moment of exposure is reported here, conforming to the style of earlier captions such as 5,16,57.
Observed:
4,34,12
